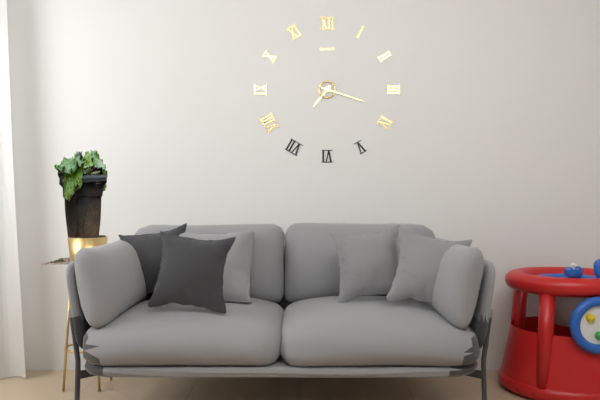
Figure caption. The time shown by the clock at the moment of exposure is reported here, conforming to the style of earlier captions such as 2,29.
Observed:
7,18
